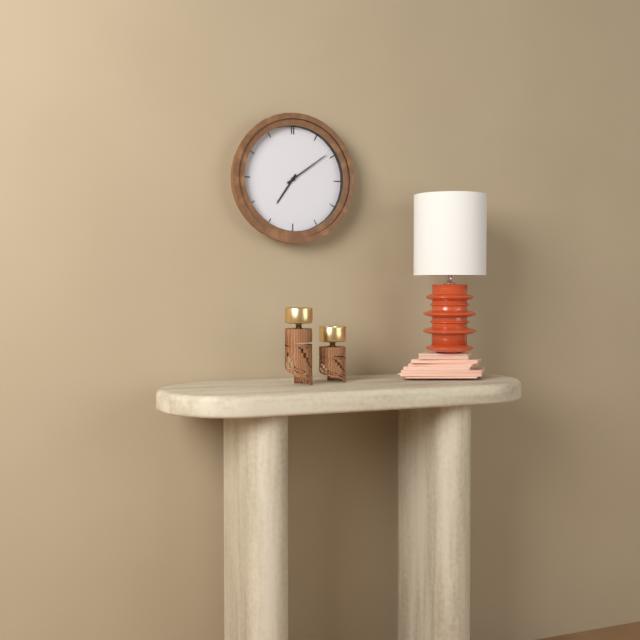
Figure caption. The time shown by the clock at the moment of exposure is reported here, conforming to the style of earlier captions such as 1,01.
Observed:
7,09
